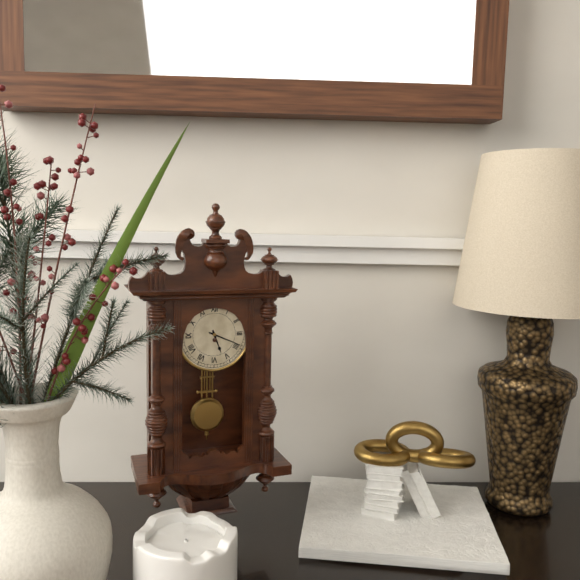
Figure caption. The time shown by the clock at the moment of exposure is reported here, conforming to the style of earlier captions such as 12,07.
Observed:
5,19
